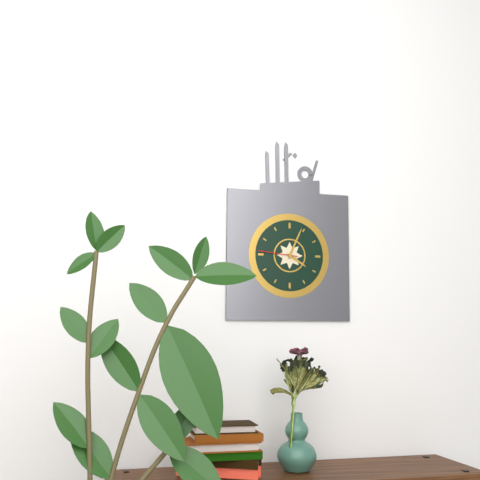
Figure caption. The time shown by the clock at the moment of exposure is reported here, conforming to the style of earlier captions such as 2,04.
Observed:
4,04
